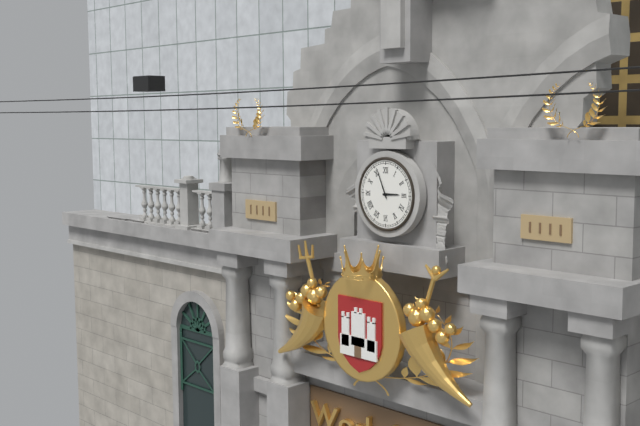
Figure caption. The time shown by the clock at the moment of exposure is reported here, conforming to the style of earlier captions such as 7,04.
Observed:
2,56
